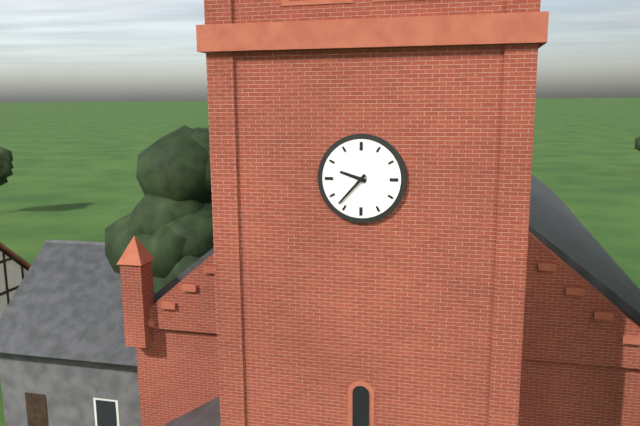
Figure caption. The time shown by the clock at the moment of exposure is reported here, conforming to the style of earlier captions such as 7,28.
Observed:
9,37
